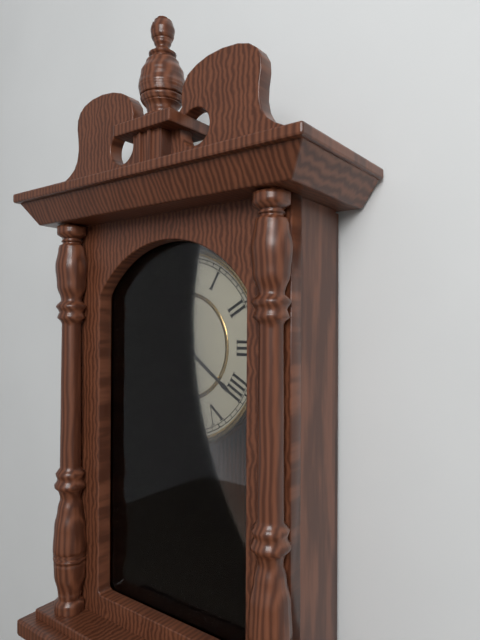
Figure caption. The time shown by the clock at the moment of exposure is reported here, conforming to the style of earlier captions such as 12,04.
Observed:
7,21
